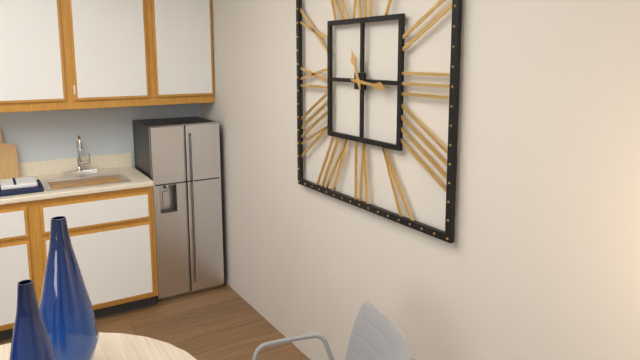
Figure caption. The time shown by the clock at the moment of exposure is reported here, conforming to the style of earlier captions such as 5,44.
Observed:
11,16
